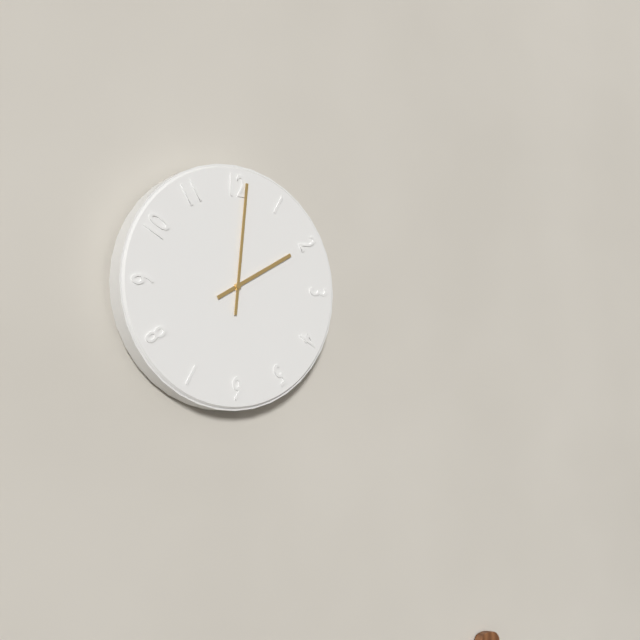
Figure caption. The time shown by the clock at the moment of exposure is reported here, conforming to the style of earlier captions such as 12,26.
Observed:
2,01
